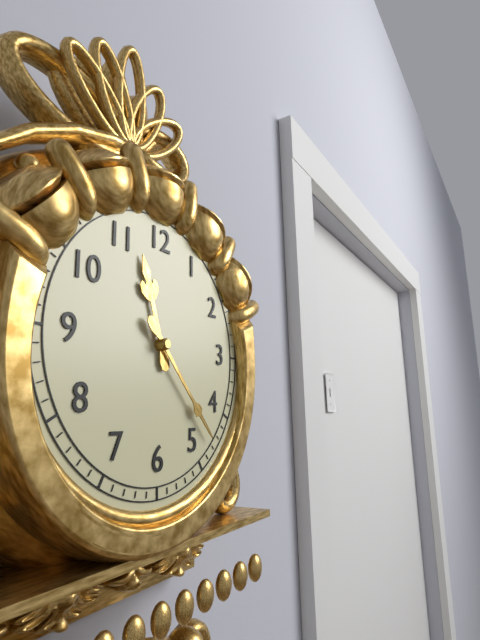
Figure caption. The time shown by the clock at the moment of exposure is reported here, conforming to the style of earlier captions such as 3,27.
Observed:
11,23
